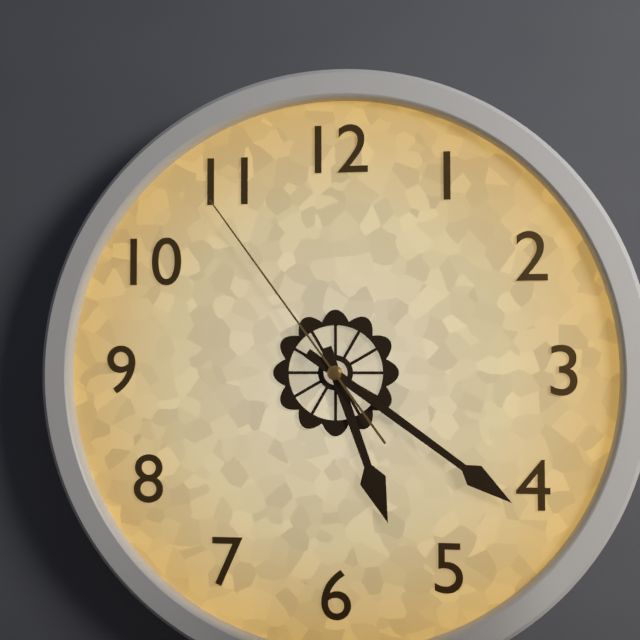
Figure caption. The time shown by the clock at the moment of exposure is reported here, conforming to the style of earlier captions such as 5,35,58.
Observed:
5,21,54
